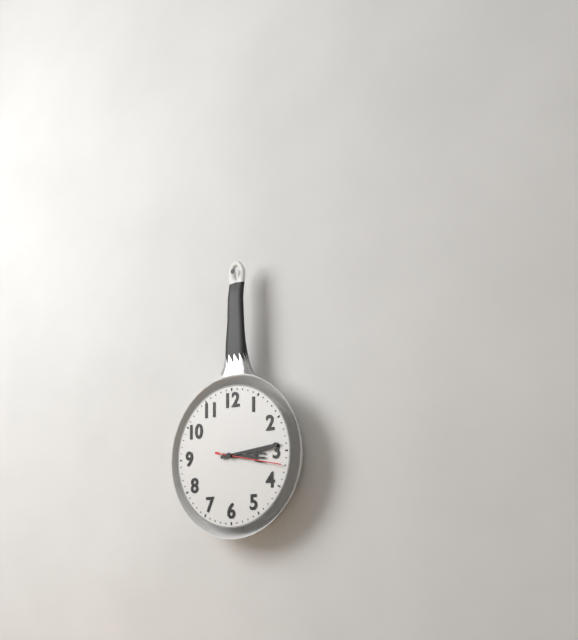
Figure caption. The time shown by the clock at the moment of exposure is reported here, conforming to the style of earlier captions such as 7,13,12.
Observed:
3,14,17
